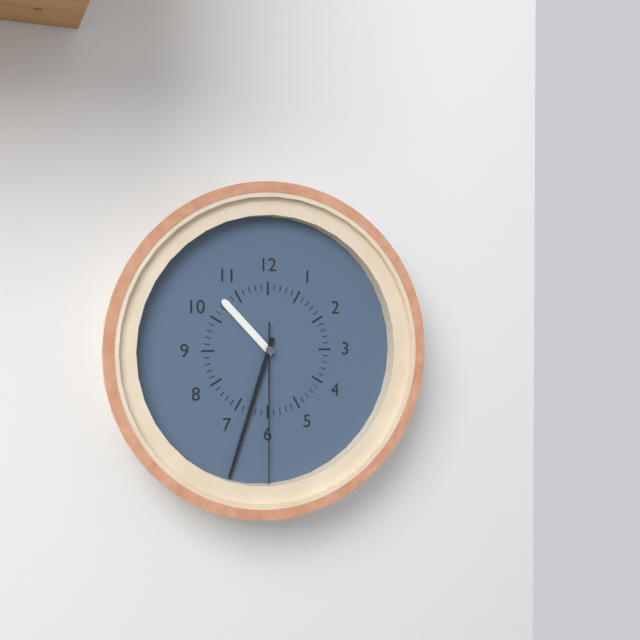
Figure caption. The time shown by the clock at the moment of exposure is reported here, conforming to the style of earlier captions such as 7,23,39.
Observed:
10,33,30
